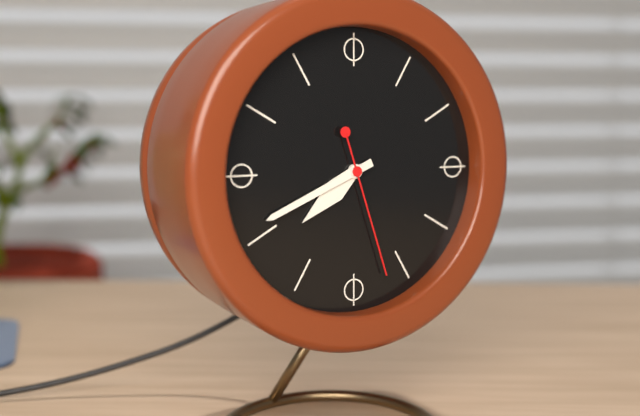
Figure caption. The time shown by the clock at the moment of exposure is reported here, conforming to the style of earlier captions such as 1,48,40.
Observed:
7,41,27
